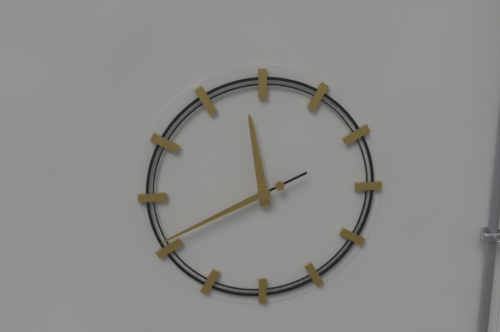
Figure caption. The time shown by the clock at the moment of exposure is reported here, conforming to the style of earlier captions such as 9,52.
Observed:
11,41
